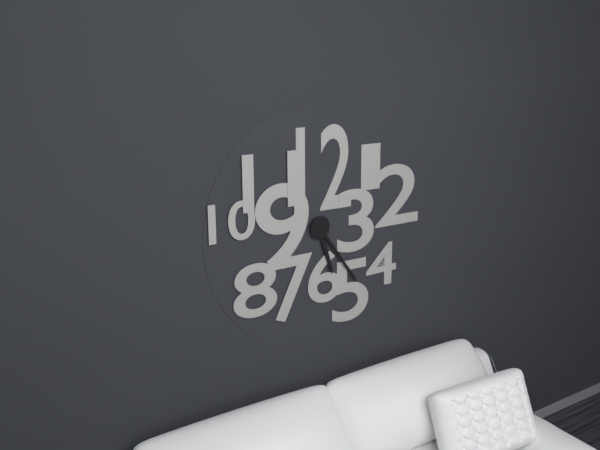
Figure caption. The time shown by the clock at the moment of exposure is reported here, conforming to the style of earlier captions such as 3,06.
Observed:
5,24
